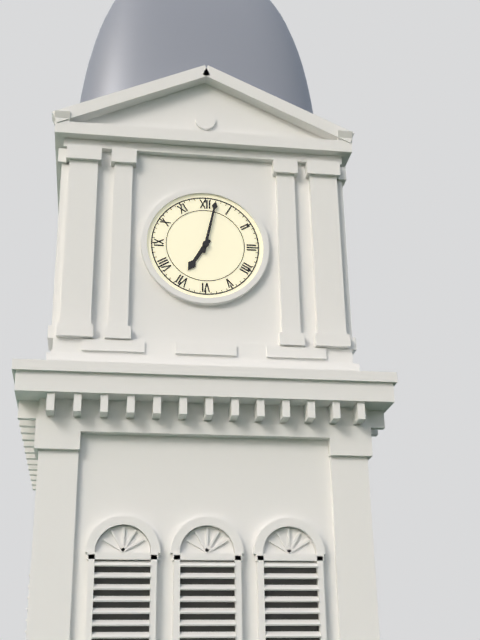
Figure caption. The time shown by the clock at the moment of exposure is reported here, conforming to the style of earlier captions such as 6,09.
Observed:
7,02
